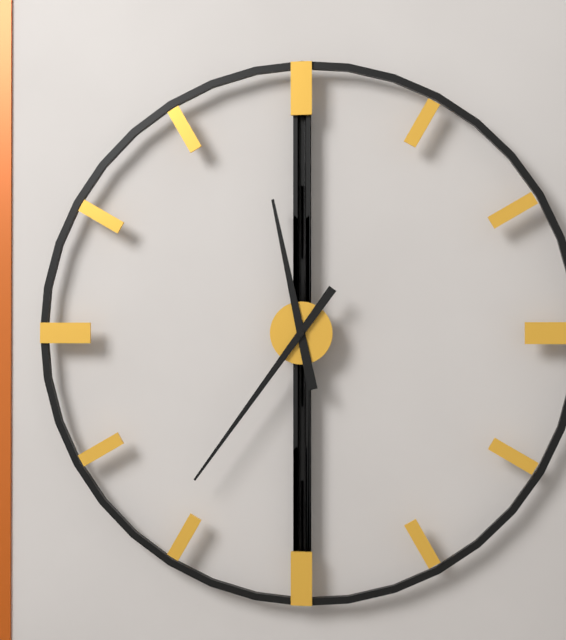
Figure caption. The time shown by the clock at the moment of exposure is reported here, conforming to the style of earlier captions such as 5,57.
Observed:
11,36
